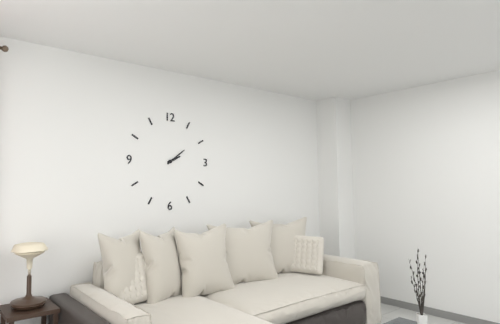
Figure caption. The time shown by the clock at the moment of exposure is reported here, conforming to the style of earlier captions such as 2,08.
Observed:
2,09
